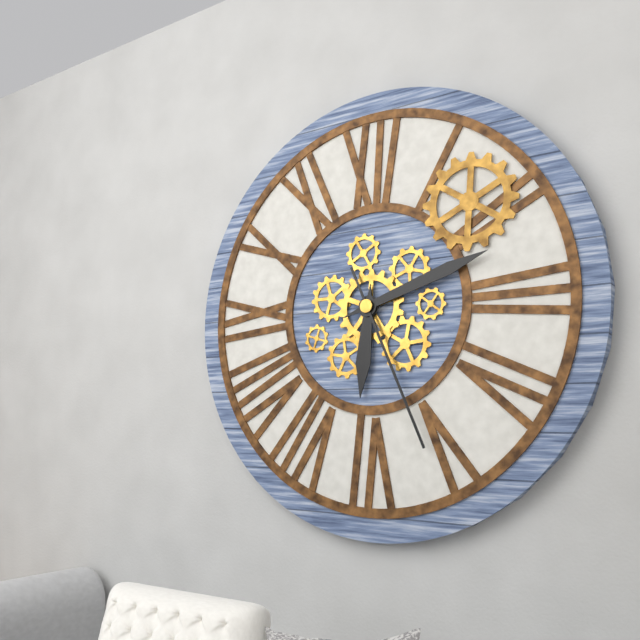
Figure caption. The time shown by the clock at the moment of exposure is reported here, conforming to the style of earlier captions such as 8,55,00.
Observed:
6,12,26
